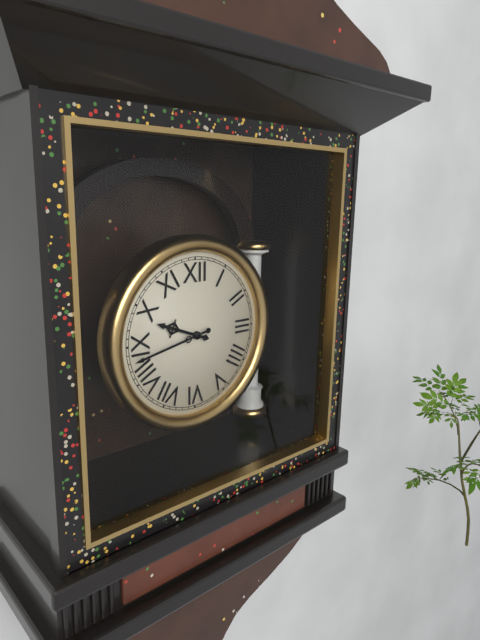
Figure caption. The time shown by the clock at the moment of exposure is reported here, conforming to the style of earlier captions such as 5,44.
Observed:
9,43
